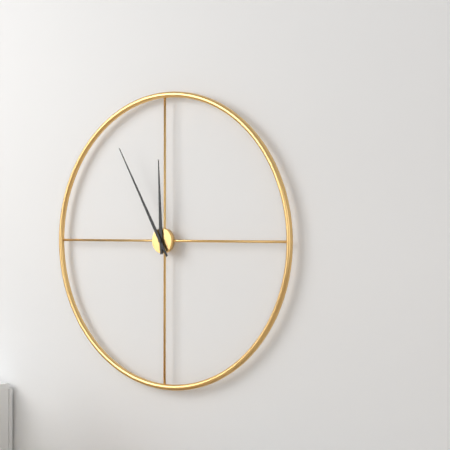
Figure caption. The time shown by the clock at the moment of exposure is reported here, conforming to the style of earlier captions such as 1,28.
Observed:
11,55
